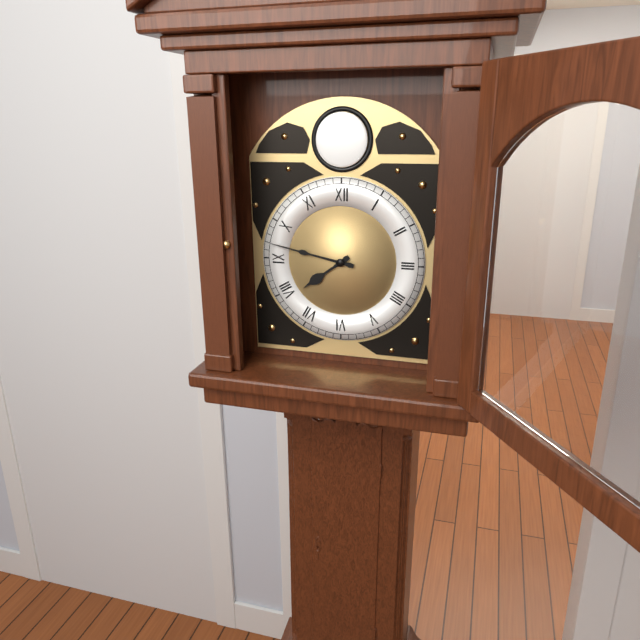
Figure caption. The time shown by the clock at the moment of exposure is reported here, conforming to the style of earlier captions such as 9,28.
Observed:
7,47
